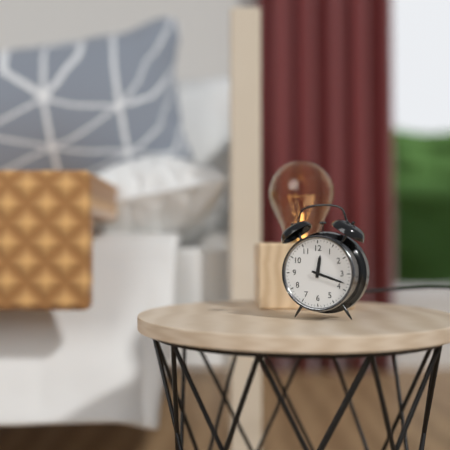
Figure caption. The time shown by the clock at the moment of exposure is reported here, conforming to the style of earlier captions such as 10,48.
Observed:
12,18
